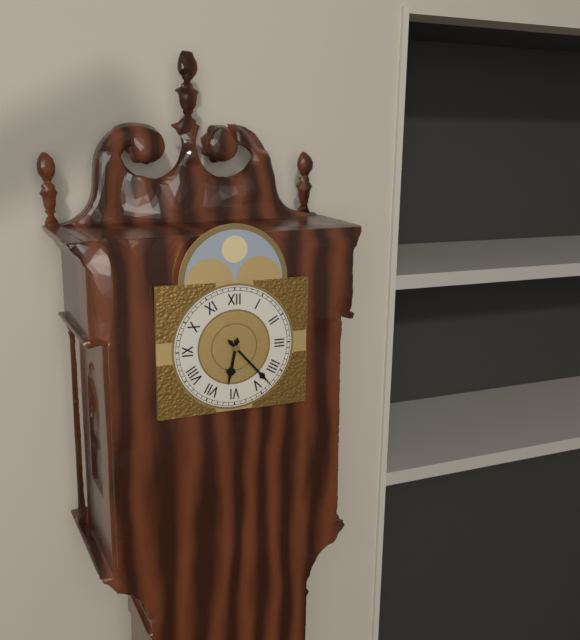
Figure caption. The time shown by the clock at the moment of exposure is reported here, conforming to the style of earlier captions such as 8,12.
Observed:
6,23
